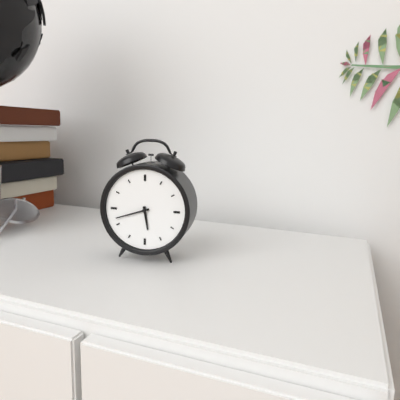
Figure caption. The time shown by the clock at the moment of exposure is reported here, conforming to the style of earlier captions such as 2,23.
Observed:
5,42
